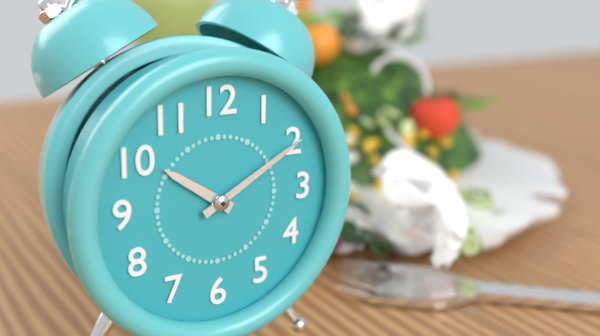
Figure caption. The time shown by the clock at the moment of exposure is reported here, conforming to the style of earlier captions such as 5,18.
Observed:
10,10
